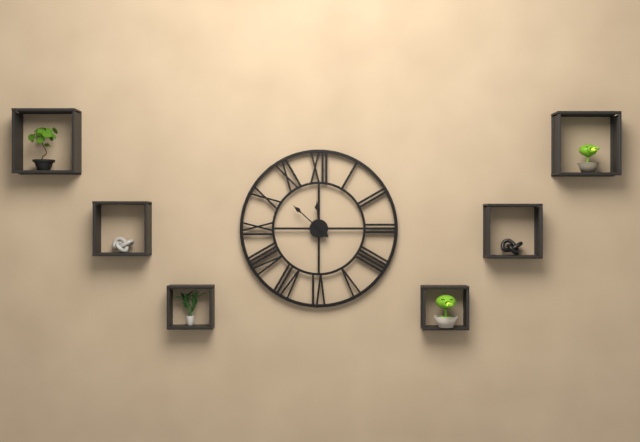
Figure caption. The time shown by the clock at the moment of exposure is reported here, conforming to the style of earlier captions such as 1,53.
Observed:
11,52
